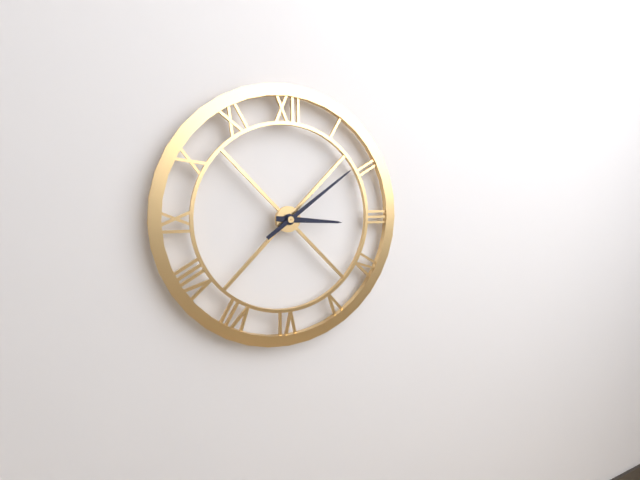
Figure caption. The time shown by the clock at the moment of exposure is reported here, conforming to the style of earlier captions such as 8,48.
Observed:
3,09
